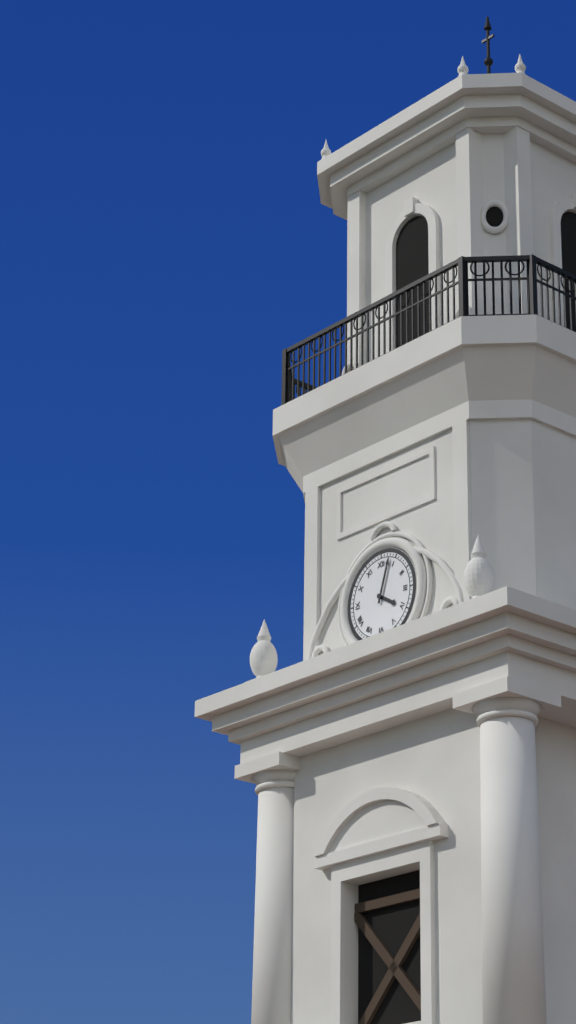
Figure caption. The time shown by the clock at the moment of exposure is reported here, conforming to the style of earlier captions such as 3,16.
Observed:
4,03
